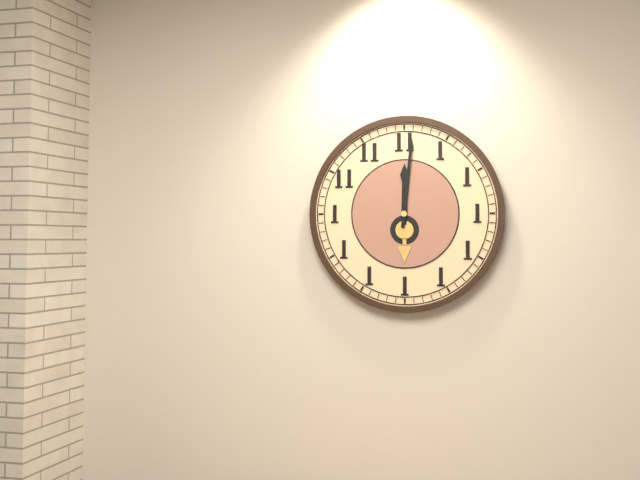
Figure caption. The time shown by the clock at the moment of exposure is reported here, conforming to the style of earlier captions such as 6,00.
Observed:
12,01
